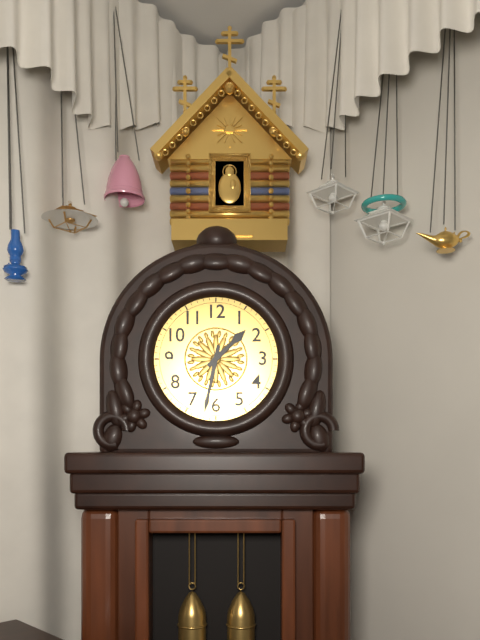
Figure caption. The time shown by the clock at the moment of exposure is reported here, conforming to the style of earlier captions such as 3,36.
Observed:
1,32
